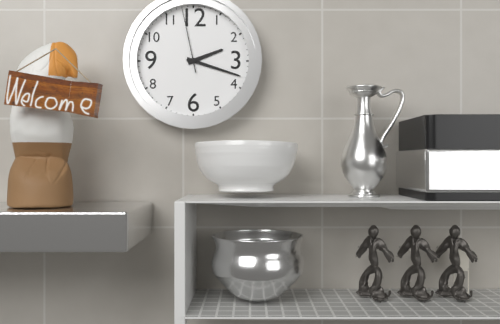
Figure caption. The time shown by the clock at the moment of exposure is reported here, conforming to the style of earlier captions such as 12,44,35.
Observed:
2,18,58
